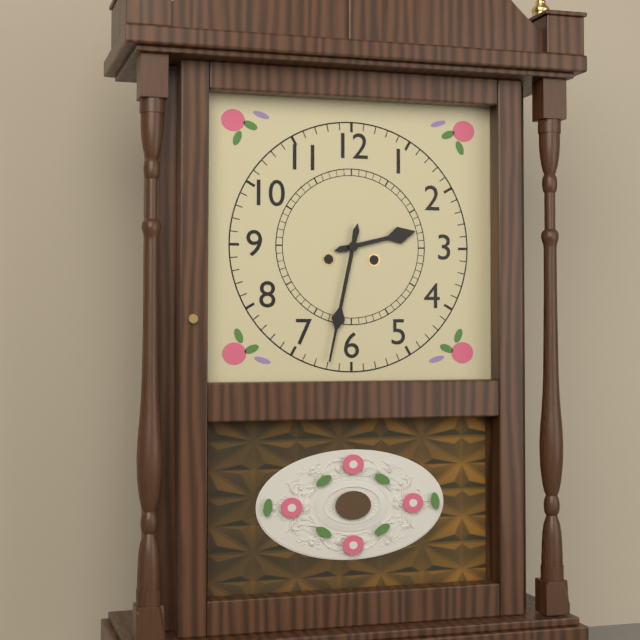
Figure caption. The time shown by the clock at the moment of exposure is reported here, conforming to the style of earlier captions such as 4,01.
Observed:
2,32
